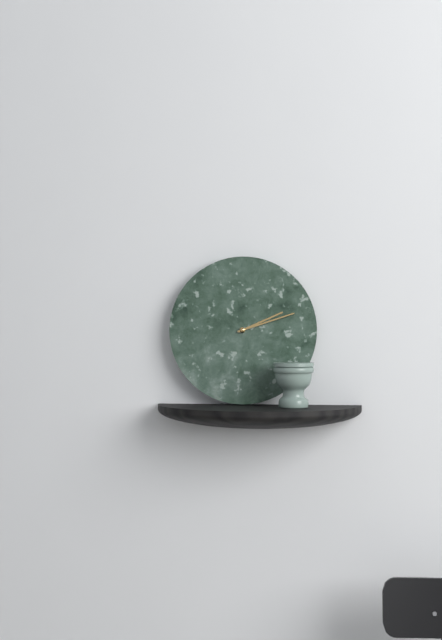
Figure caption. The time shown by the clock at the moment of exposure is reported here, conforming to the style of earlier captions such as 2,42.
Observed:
2,12
